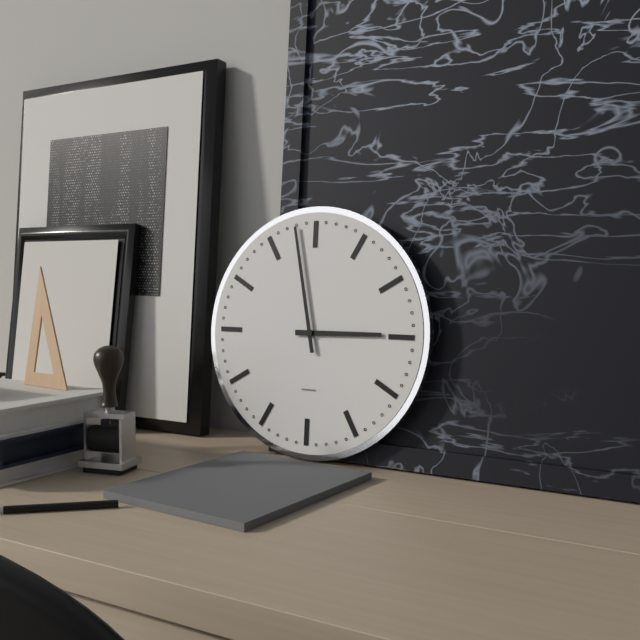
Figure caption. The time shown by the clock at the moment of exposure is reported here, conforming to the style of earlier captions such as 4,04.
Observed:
2,58
